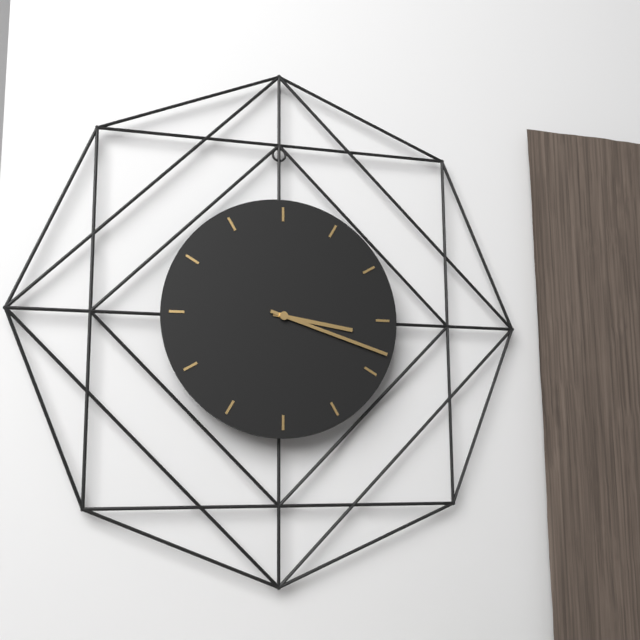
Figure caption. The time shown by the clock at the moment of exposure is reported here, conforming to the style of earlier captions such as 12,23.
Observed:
3,18
